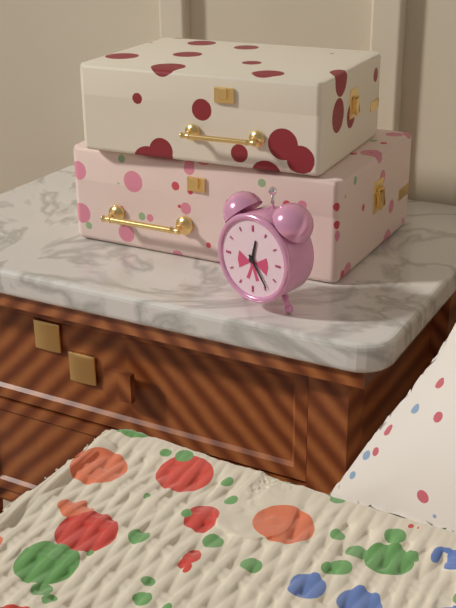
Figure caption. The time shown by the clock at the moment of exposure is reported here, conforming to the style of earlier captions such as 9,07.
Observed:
12,24
